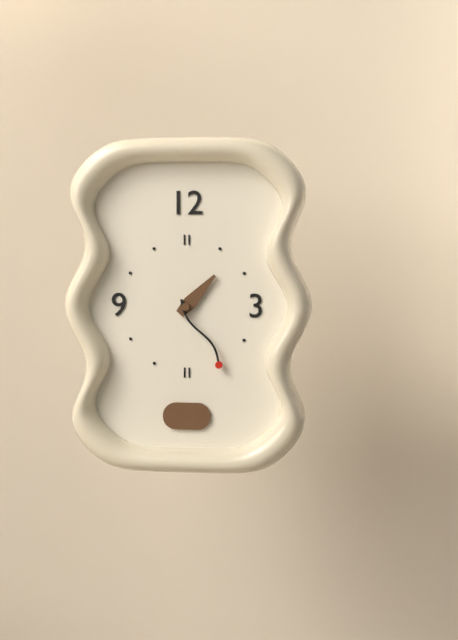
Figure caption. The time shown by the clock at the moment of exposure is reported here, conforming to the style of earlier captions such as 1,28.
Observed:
1,25
